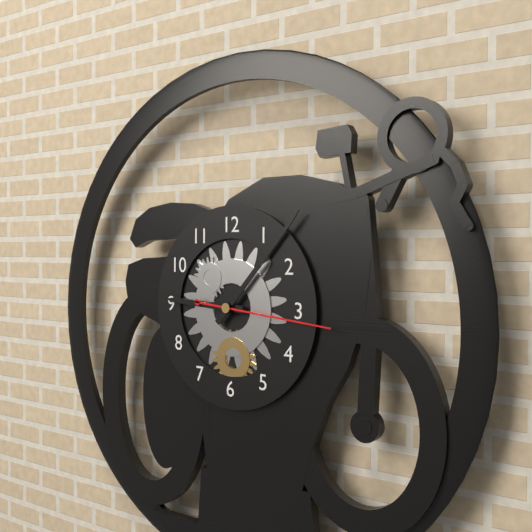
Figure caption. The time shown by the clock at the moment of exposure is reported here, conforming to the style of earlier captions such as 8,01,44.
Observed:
9,07,16
